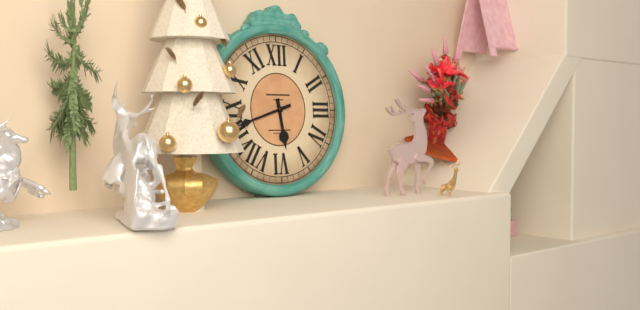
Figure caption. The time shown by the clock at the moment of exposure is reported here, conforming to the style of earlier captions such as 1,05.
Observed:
5,42
